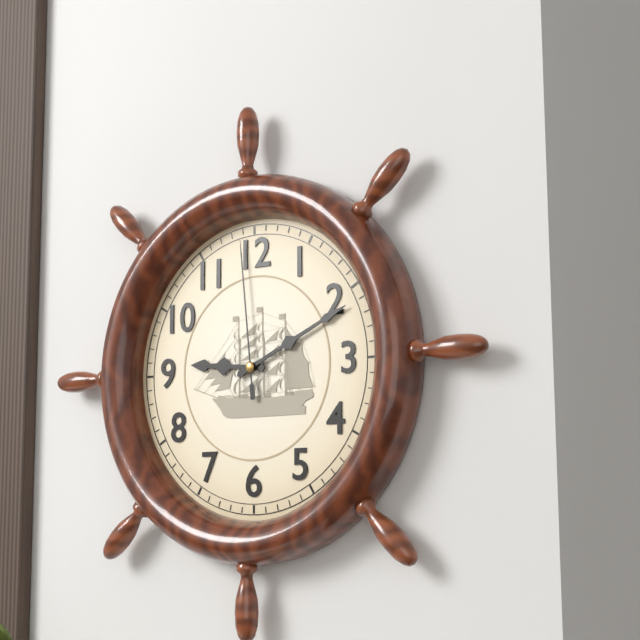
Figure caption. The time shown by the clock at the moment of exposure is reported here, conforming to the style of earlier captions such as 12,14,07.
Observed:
9,11,59
